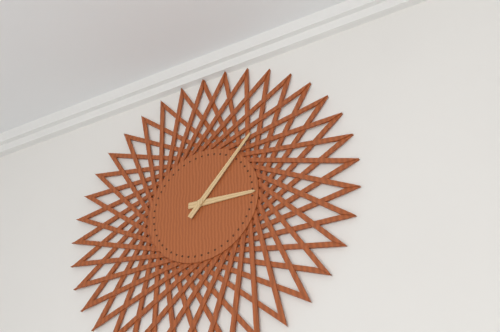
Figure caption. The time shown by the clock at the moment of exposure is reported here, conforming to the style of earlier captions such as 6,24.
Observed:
3,07
